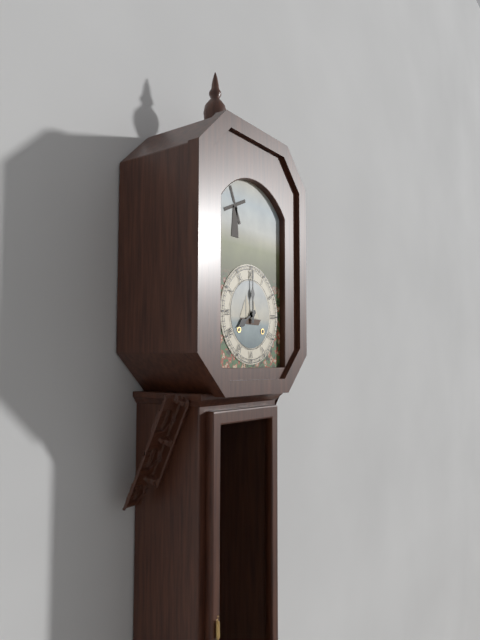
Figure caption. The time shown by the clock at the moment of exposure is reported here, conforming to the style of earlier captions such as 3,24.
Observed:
8,00
